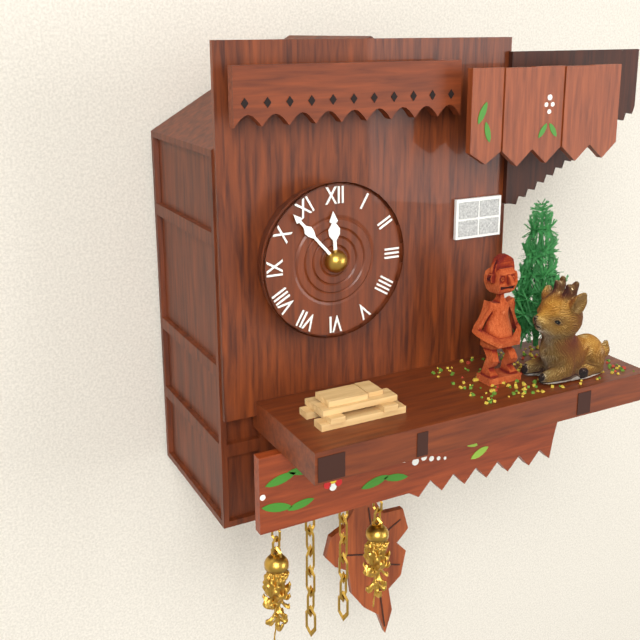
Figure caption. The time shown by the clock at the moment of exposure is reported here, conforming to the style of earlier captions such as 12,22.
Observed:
11,53
